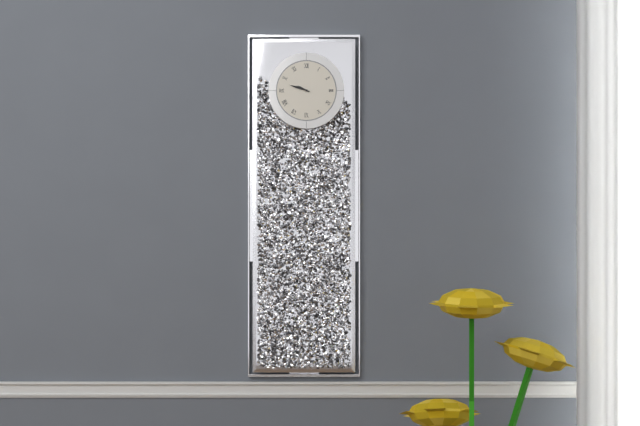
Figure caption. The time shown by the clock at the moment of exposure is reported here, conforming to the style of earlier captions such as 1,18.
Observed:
9,48
